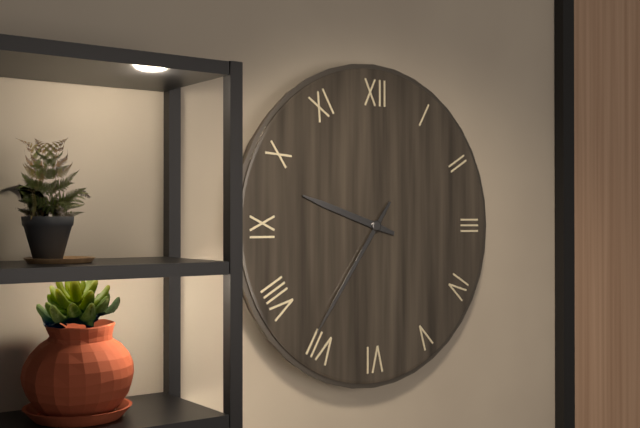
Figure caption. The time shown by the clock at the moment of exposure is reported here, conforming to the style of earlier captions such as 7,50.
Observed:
9,36
